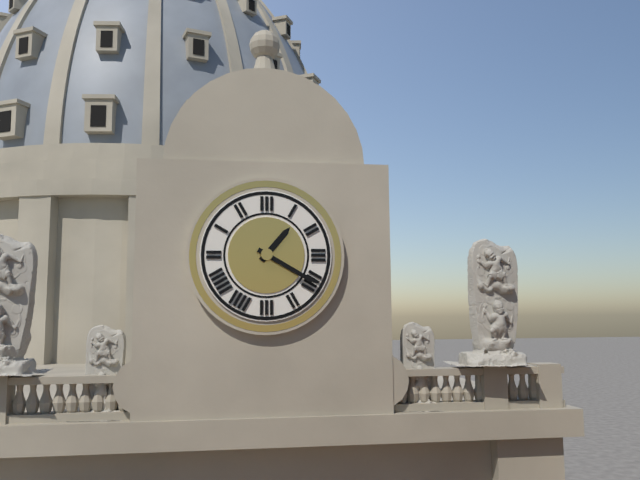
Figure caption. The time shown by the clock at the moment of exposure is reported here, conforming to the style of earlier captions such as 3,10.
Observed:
1,20
